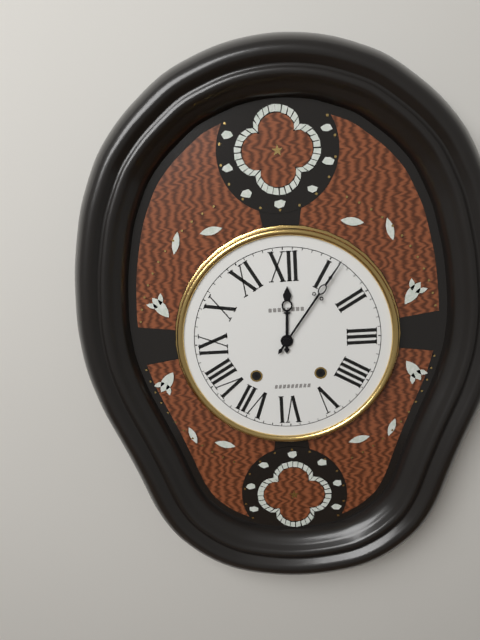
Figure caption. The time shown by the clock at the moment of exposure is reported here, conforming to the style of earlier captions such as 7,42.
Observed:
12,06
